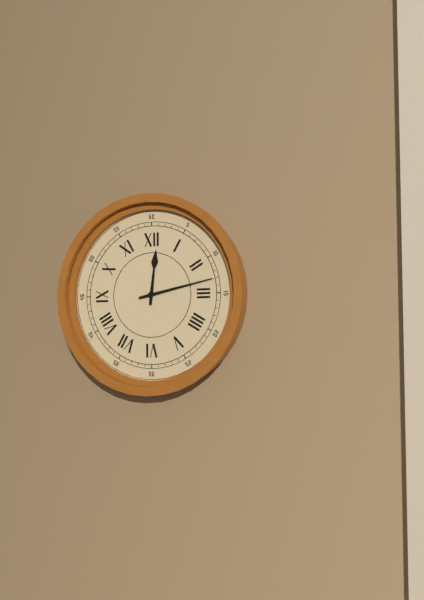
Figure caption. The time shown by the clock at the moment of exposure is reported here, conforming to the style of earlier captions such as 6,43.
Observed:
12,13
